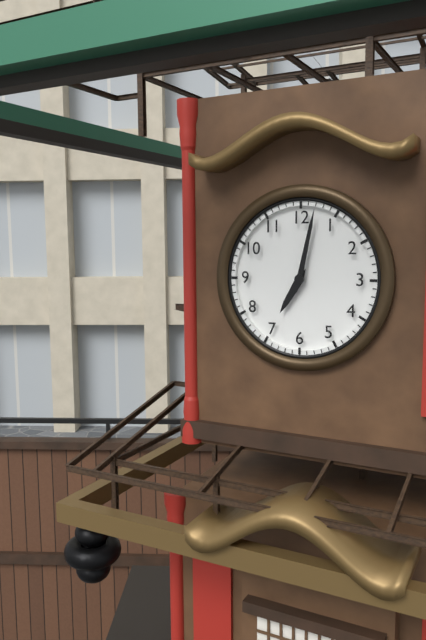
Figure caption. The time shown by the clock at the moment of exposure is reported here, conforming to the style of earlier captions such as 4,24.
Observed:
7,02
